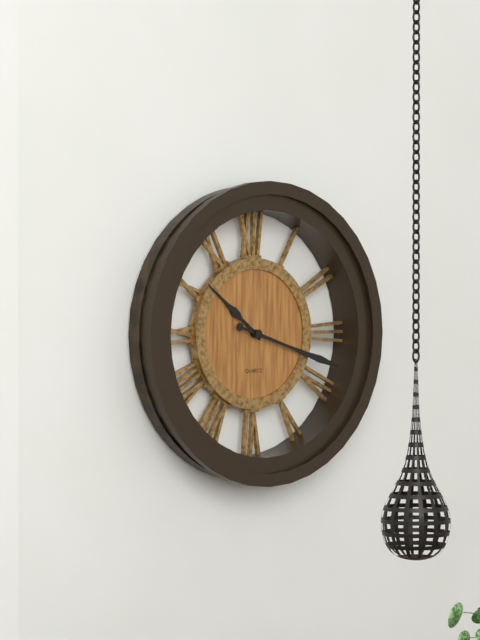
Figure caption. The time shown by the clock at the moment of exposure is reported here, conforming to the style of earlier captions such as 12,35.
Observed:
10,18
